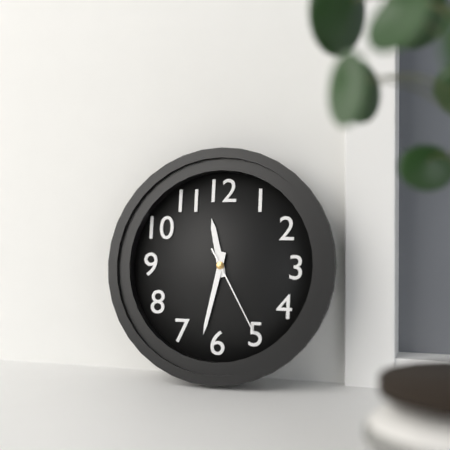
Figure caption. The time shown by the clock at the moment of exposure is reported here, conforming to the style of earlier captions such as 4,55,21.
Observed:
11,32,25
